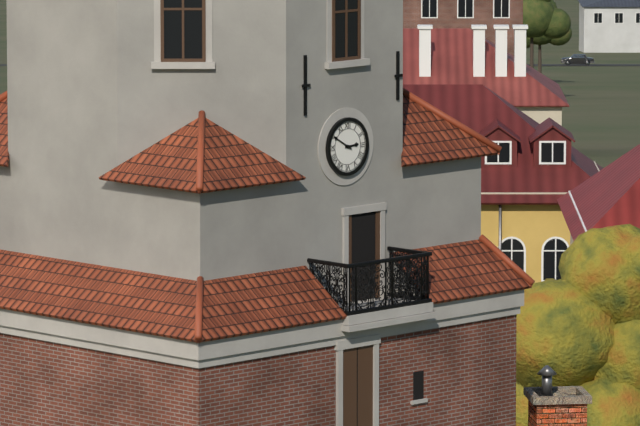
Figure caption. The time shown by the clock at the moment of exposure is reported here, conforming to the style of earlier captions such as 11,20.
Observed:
2,50
